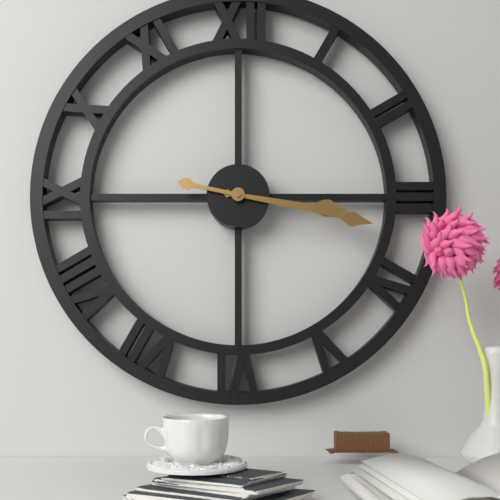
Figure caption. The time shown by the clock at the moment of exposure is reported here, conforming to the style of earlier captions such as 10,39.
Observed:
3,17
